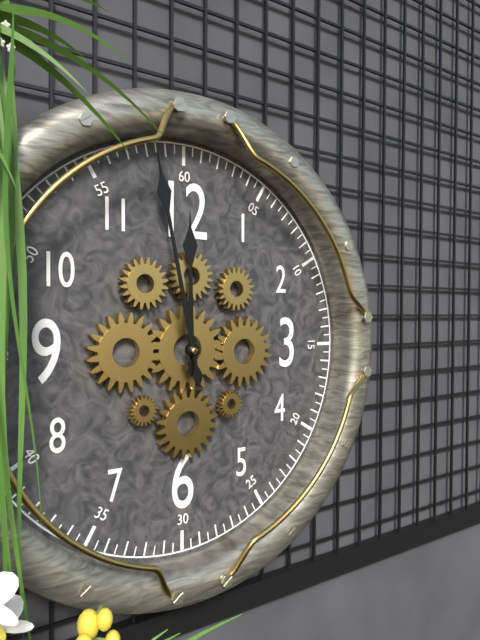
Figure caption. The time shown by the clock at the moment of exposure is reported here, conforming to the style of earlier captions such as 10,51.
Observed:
11,58
